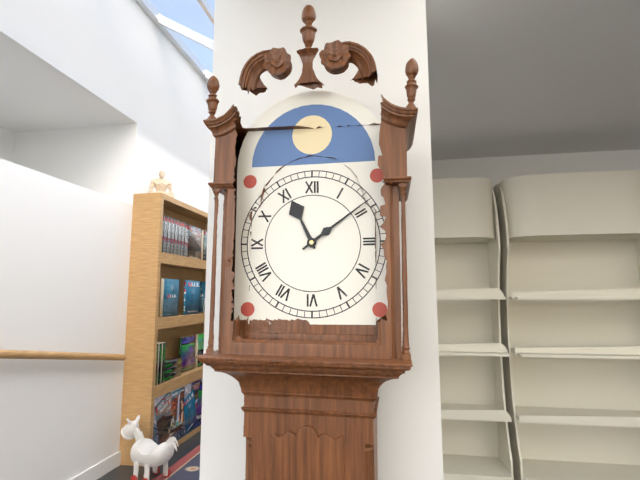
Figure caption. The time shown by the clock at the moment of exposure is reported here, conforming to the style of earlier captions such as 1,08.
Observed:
11,09
